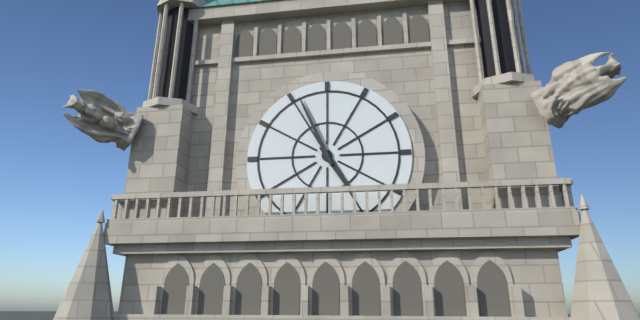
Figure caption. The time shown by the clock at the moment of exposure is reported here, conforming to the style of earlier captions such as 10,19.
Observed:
4,56
